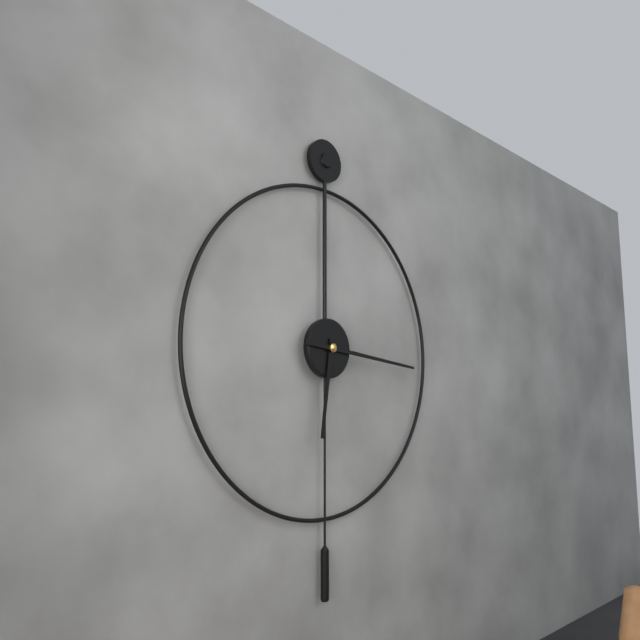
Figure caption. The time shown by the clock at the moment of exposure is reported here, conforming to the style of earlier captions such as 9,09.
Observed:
6,16
